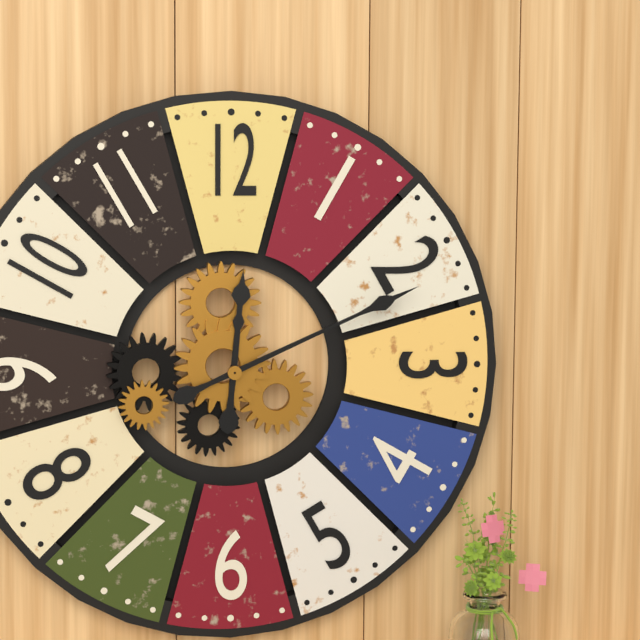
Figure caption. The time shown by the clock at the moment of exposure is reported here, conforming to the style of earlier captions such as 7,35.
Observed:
12,11
